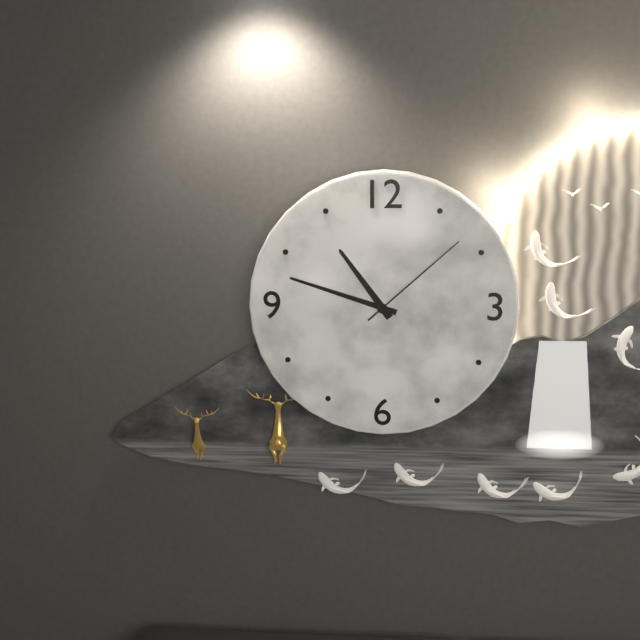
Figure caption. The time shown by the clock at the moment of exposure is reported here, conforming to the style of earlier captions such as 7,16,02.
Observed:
10,48,08
